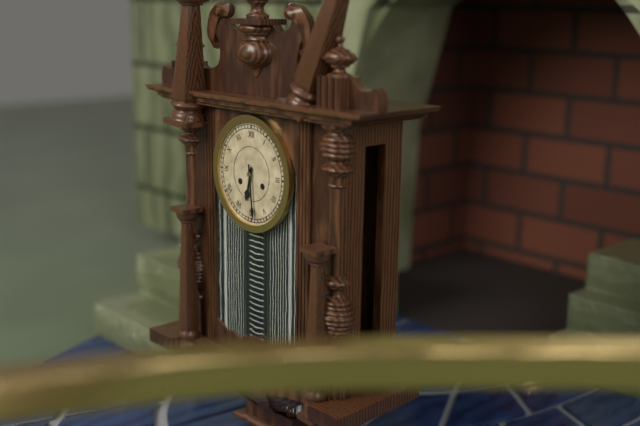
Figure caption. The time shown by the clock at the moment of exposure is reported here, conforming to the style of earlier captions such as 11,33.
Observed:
6,29
